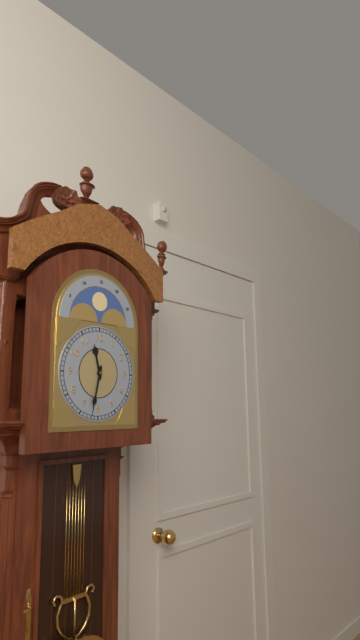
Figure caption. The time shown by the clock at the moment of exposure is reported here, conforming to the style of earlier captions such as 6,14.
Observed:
11,32
